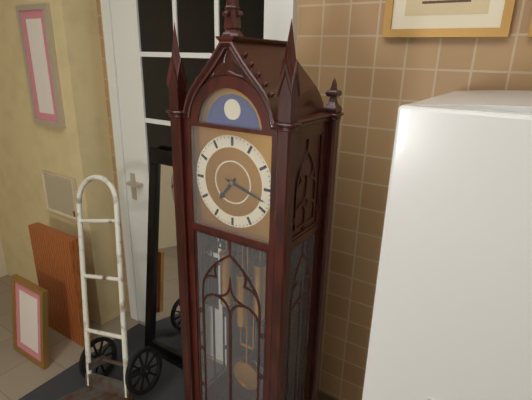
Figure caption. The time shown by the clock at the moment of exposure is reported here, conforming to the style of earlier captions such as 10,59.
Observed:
7,18
